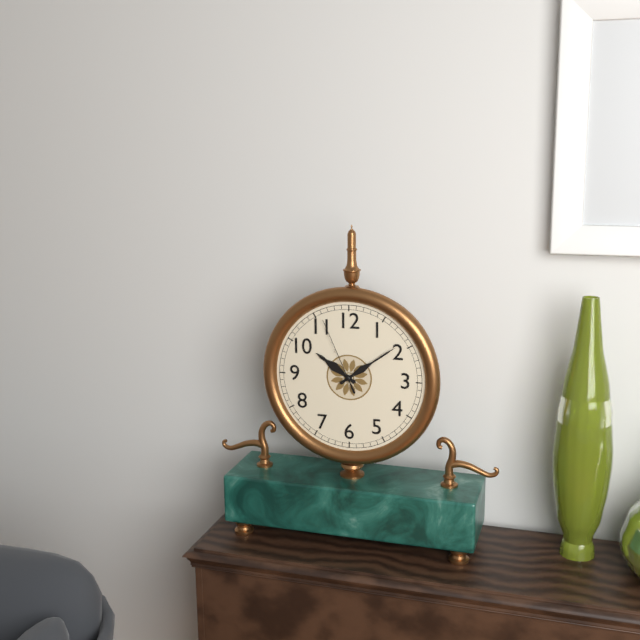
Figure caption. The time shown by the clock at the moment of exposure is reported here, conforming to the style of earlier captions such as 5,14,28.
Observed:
10,09,56
